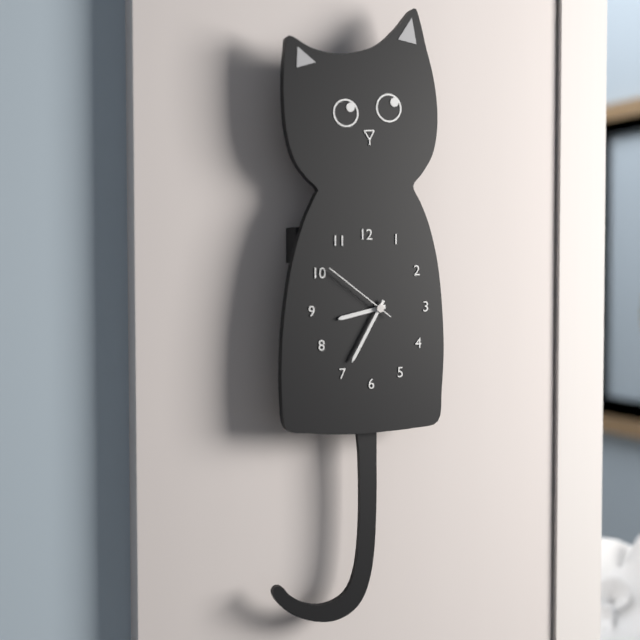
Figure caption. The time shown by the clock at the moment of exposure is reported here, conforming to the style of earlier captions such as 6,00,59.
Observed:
8,35,51
